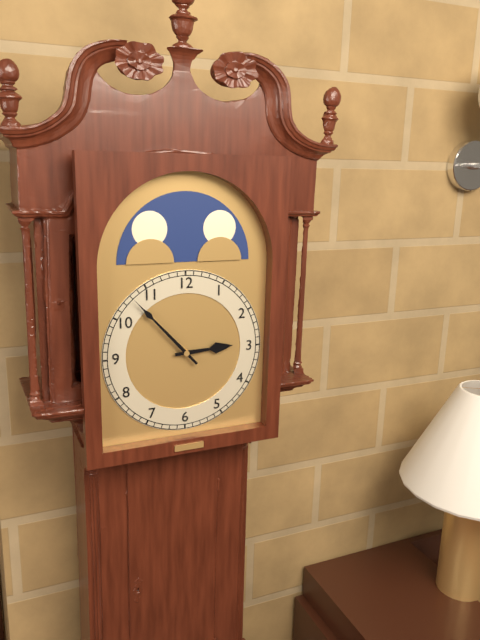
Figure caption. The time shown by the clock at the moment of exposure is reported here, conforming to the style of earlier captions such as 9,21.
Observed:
2,53
